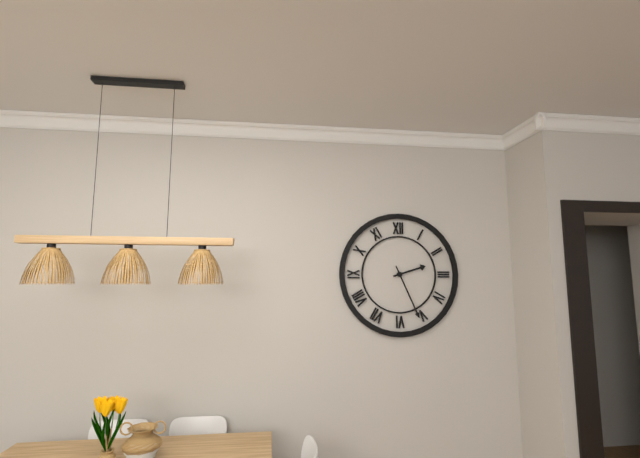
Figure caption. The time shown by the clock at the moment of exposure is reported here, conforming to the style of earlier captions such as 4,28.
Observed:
2,26
